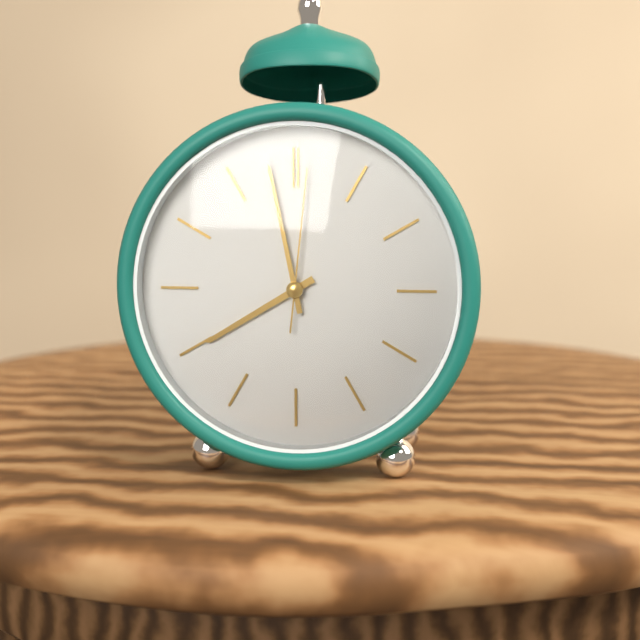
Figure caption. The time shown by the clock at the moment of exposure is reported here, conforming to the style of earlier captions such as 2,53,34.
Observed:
7,58,01
